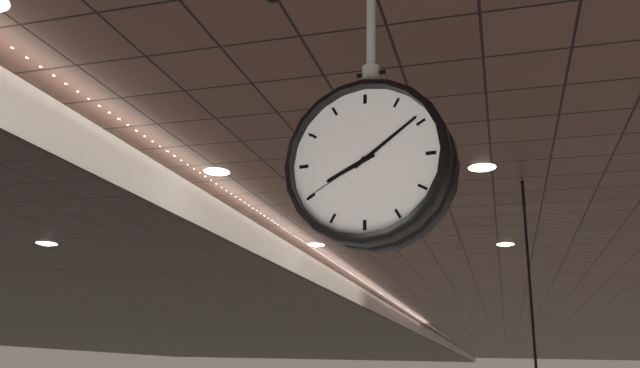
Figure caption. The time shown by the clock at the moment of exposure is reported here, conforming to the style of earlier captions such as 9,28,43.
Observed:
8,09,40
